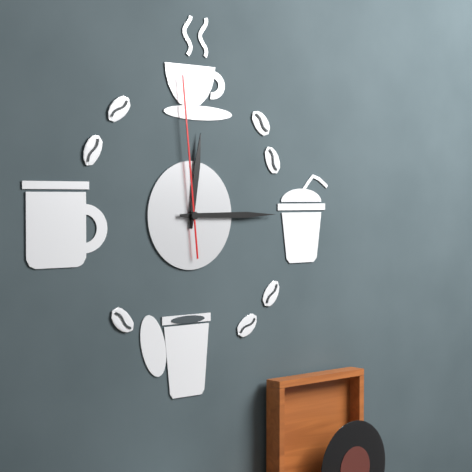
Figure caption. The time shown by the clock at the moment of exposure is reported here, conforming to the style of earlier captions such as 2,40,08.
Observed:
12,15,59
